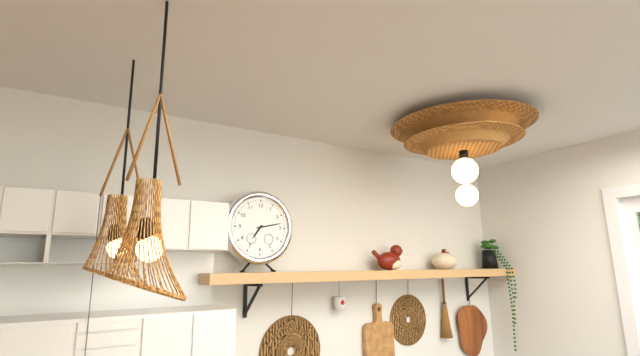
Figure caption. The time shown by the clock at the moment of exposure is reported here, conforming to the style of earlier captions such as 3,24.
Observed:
7,13
